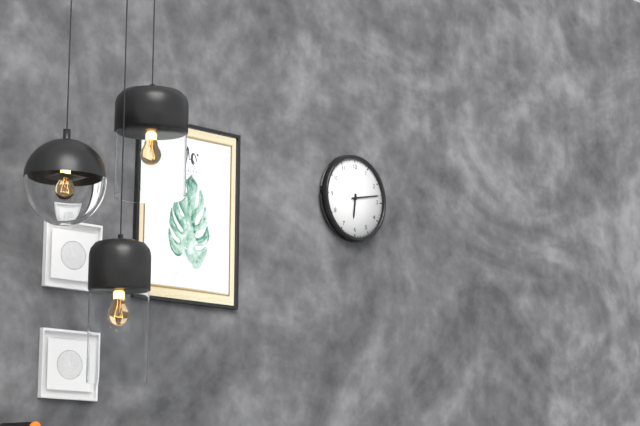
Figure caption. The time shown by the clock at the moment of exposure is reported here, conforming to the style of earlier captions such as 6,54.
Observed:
6,13
